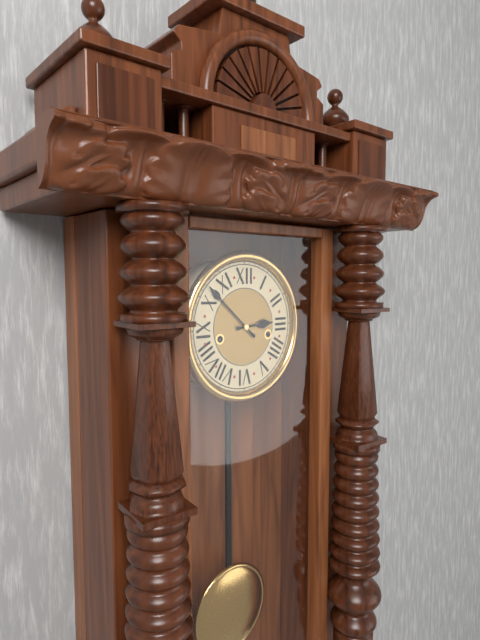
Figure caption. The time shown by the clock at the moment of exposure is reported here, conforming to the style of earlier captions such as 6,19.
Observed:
2,52
